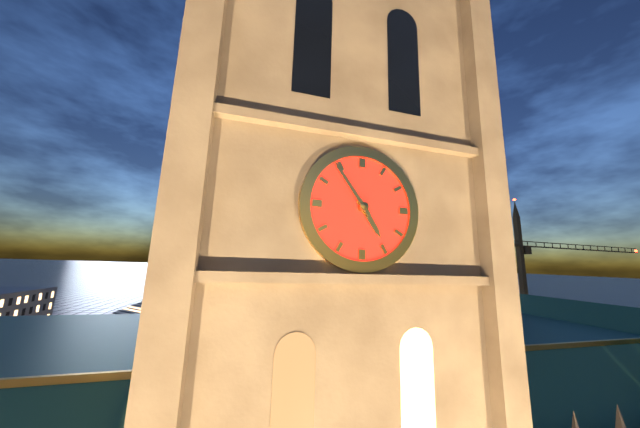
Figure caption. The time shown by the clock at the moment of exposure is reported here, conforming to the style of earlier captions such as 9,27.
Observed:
4,54
